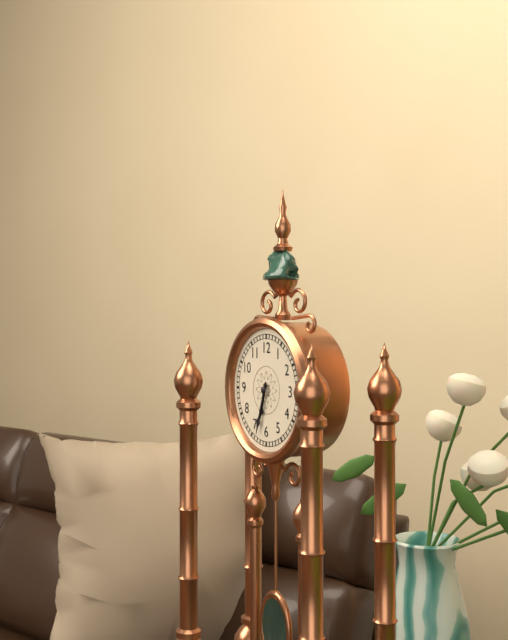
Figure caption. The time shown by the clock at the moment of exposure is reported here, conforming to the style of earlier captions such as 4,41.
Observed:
6,33
